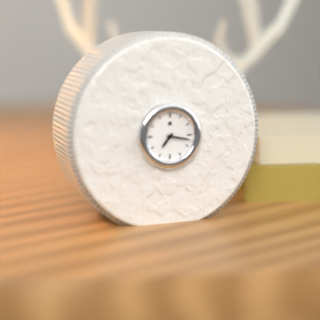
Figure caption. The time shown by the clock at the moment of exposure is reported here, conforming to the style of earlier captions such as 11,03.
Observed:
7,17
